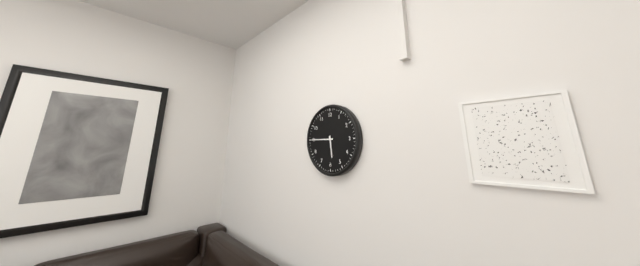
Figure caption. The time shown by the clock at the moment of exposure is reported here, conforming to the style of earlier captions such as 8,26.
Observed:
5,45
